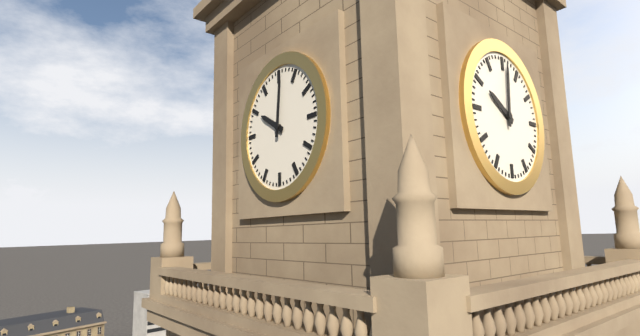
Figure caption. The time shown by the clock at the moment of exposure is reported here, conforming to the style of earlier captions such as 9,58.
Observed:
10,01
